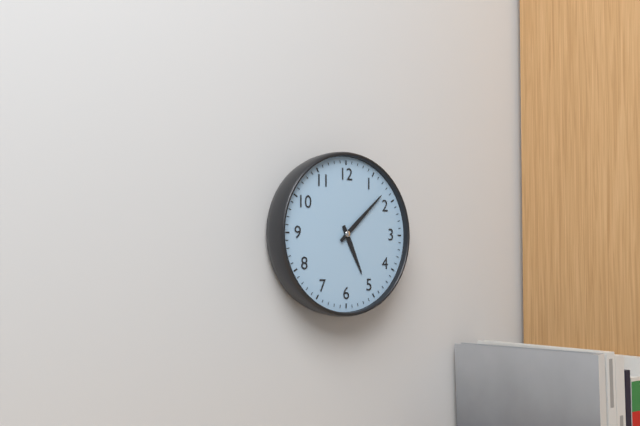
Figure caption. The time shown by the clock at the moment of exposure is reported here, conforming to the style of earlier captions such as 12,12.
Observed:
5,08
